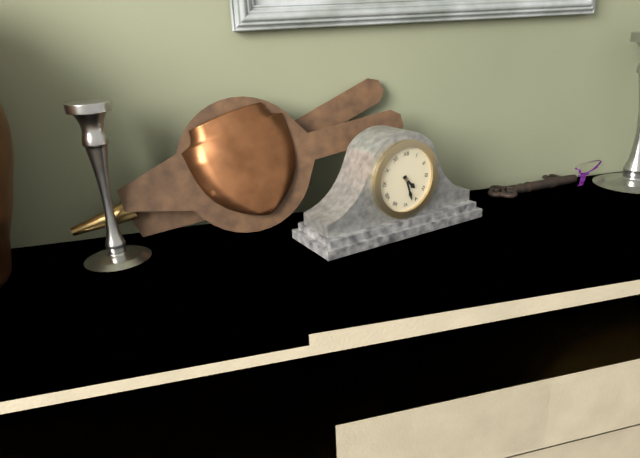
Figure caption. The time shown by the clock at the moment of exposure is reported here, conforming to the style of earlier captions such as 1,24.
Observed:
4,27
